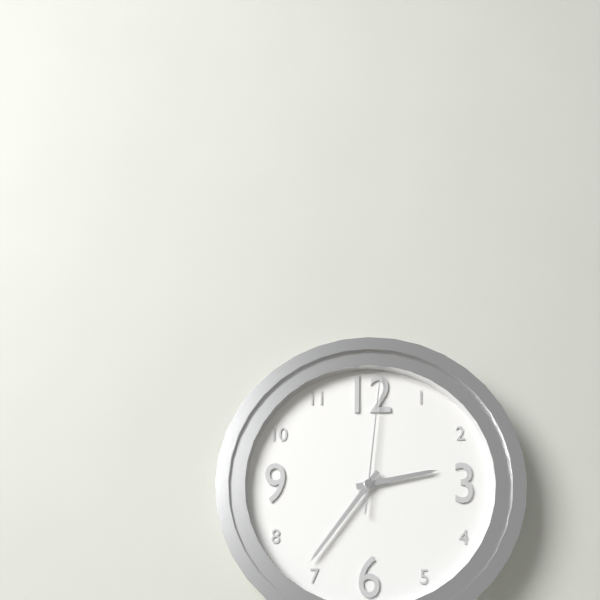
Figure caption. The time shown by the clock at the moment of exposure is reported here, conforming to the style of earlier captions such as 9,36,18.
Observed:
2,36,01
